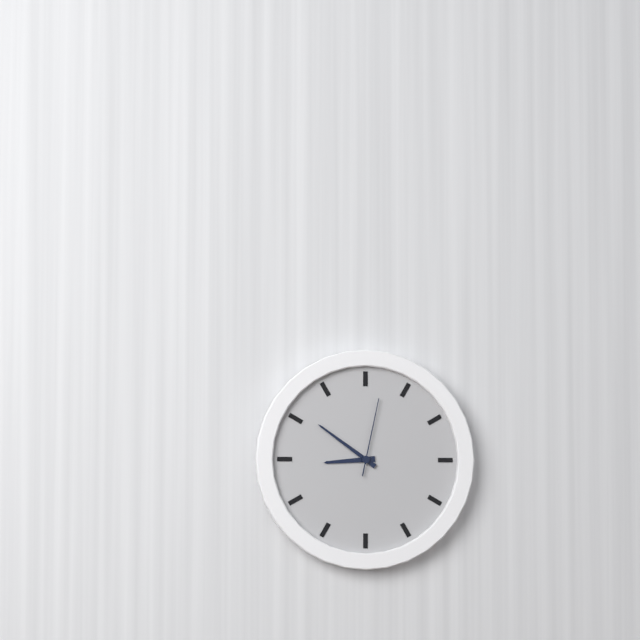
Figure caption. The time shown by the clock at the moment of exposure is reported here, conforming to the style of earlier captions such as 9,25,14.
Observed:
8,51,02
